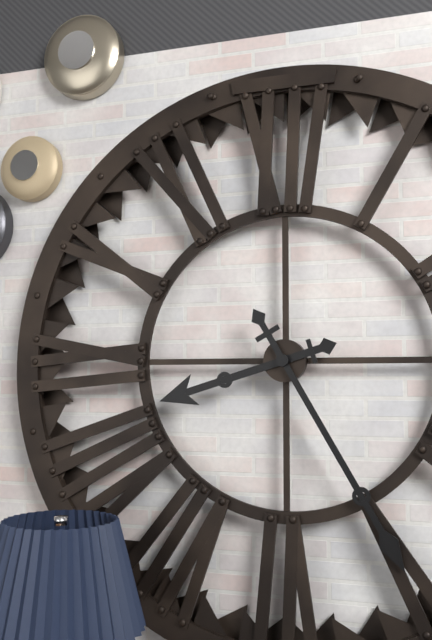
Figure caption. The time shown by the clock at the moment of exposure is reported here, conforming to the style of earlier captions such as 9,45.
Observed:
8,25
